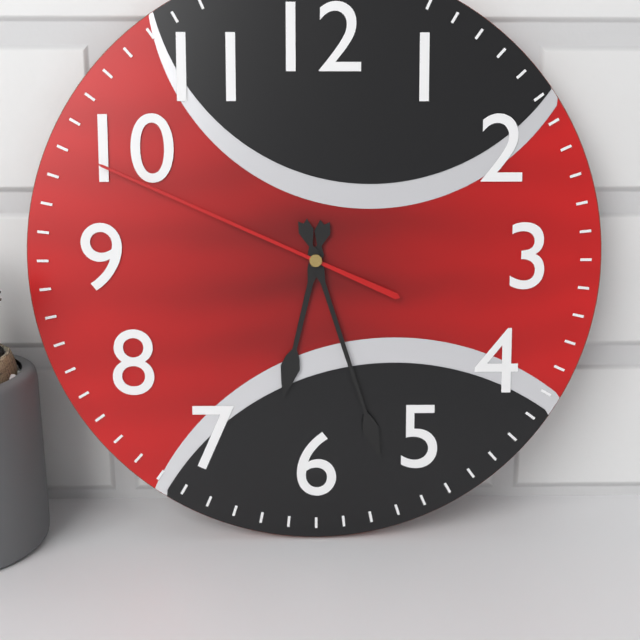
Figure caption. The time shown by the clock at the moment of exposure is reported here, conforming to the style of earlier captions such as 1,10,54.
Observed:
6,27,49
